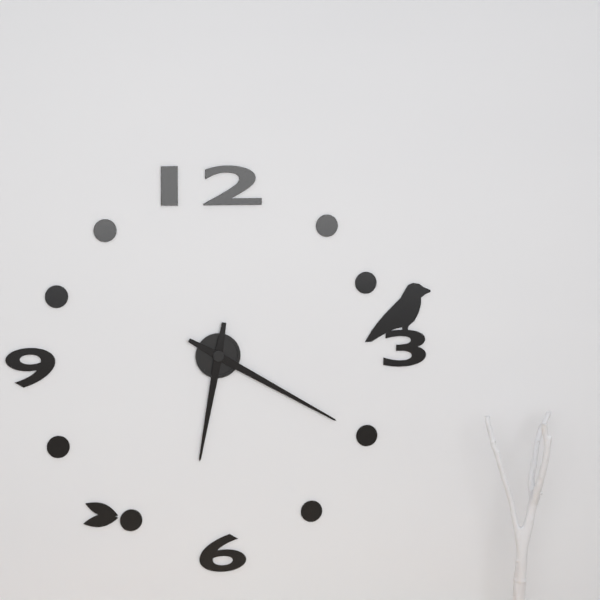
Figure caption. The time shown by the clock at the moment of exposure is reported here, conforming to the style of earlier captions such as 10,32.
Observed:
6,20
